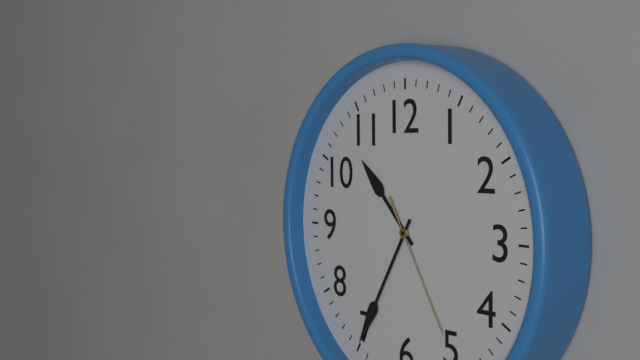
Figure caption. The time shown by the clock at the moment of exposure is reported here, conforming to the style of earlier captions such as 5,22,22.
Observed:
10,35,25
